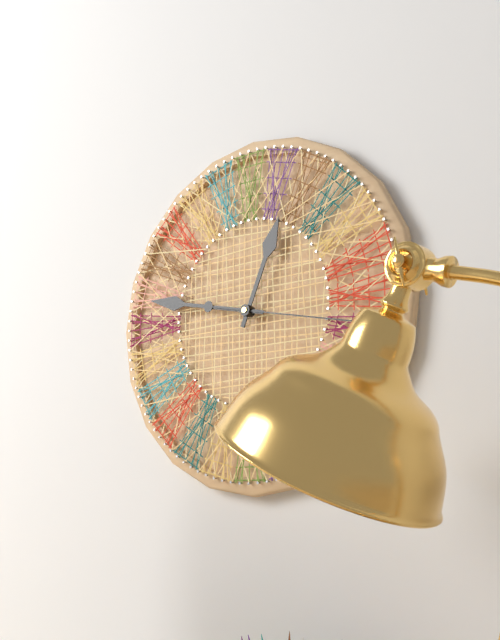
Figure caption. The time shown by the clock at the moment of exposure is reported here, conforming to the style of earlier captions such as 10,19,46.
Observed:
12,47,17
